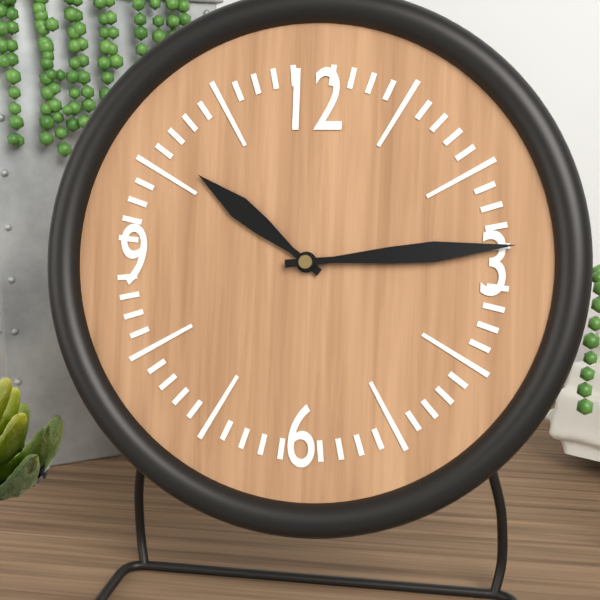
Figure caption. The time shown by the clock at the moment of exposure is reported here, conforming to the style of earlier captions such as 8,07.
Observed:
10,14
